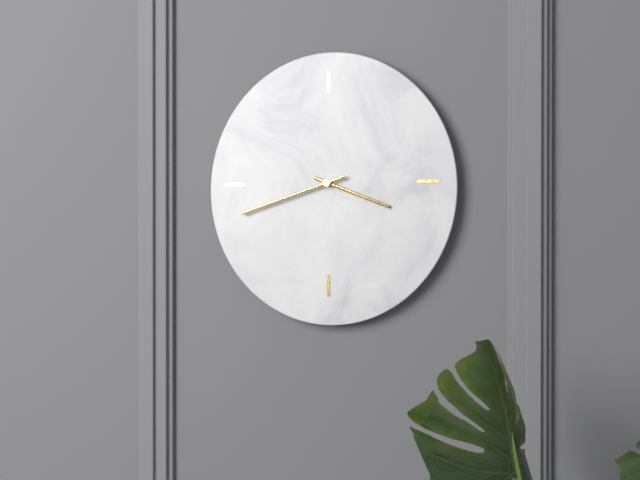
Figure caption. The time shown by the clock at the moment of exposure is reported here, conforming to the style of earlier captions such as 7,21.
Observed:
3,42
